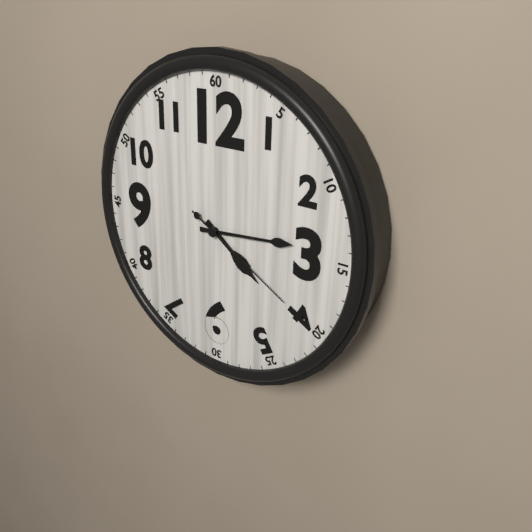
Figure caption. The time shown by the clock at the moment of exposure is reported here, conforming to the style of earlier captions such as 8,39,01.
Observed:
4,14,20
